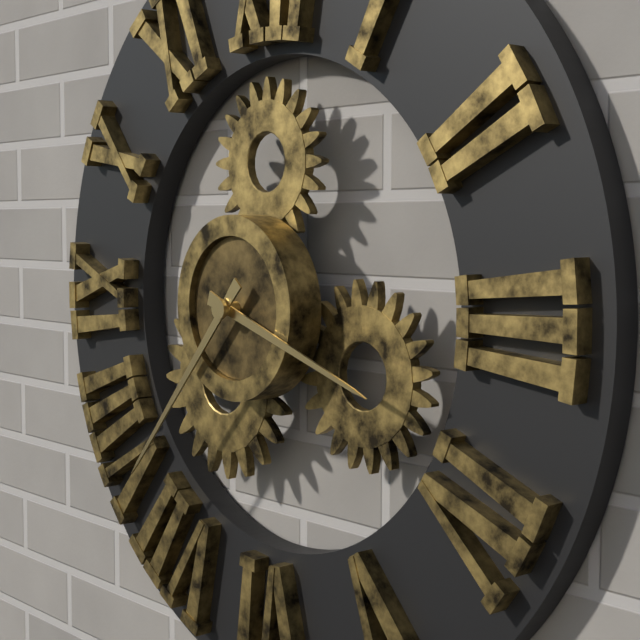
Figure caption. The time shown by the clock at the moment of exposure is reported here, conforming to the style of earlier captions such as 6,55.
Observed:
3,37
